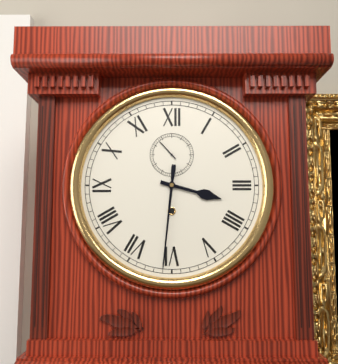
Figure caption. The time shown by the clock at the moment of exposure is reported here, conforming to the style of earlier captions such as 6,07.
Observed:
3,31
